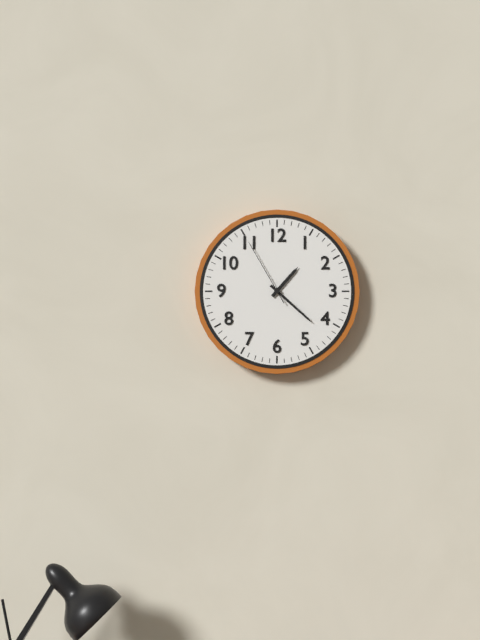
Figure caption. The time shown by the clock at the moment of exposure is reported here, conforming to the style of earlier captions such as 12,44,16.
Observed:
1,22,55
